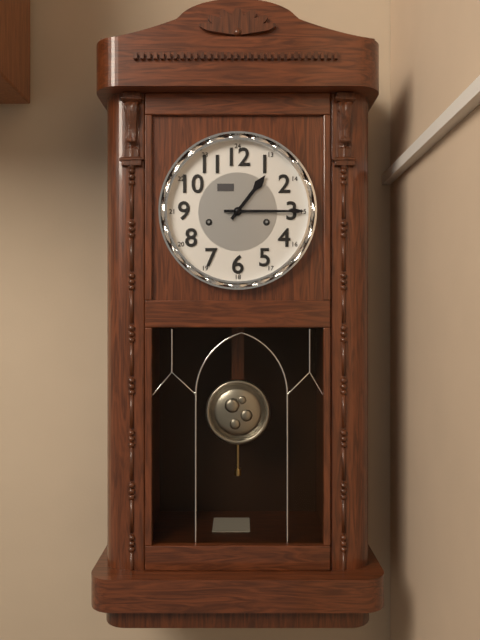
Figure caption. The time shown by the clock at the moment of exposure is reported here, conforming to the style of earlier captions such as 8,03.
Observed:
1,15
